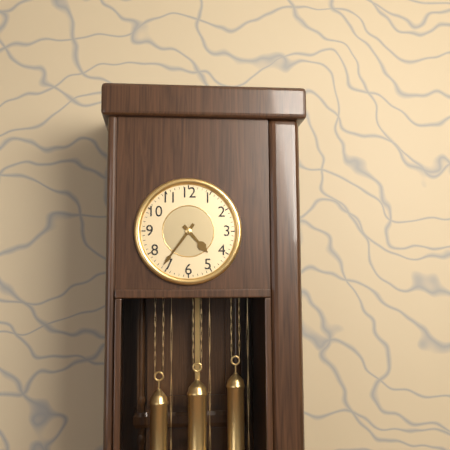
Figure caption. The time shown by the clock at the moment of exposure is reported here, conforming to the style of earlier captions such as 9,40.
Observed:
4,36
